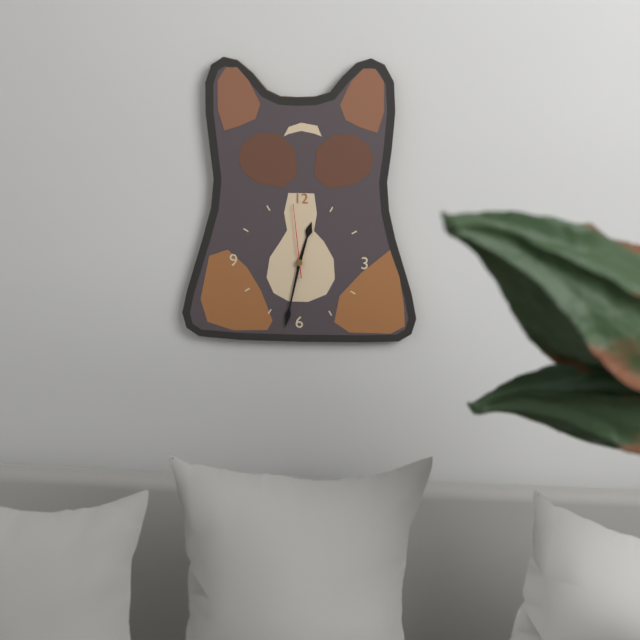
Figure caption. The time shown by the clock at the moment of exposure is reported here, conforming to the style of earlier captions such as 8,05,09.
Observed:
12,32,59
